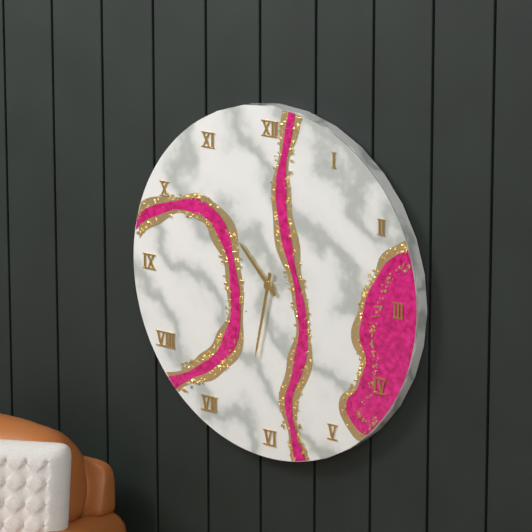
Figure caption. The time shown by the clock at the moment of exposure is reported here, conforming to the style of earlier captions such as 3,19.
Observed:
10,32
